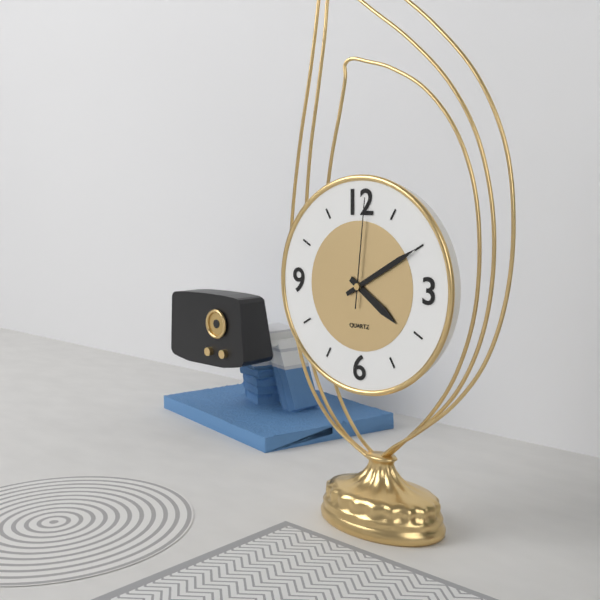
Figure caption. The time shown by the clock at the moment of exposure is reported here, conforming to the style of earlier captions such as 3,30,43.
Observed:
4,10,01
